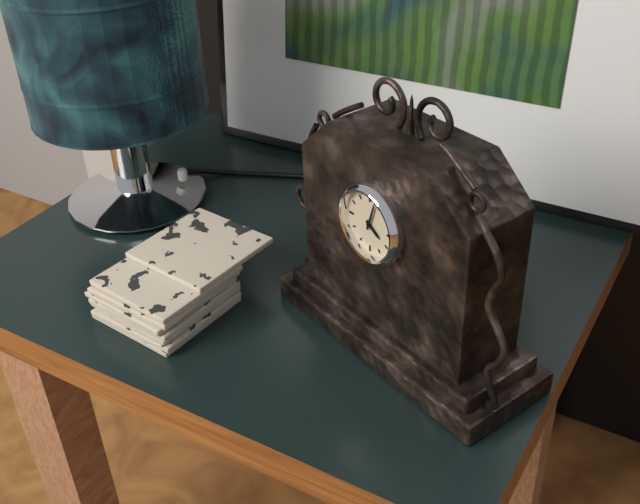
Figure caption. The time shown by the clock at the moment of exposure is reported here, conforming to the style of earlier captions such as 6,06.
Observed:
4,03
